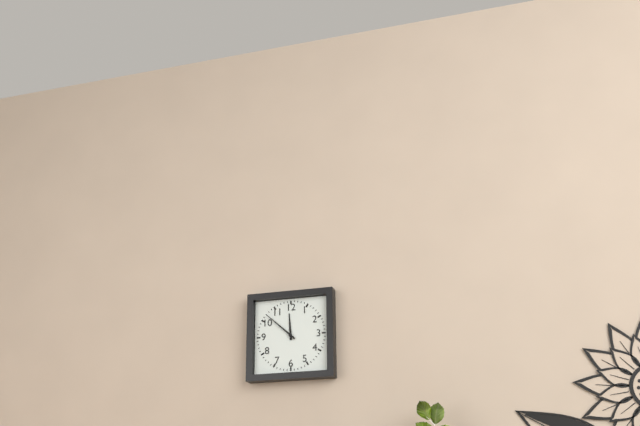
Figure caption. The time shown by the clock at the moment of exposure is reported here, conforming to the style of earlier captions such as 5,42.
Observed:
11,52
